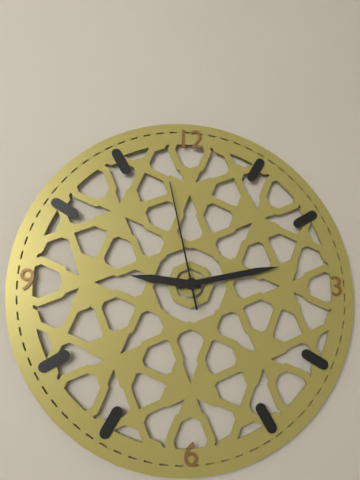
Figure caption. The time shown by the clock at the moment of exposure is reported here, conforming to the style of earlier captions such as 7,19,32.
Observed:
9,13,58
